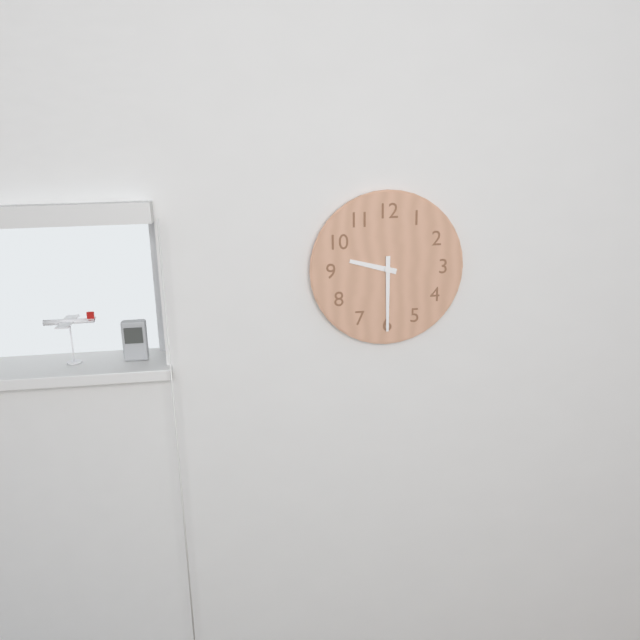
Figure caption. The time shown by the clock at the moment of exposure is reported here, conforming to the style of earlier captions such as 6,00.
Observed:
9,30
